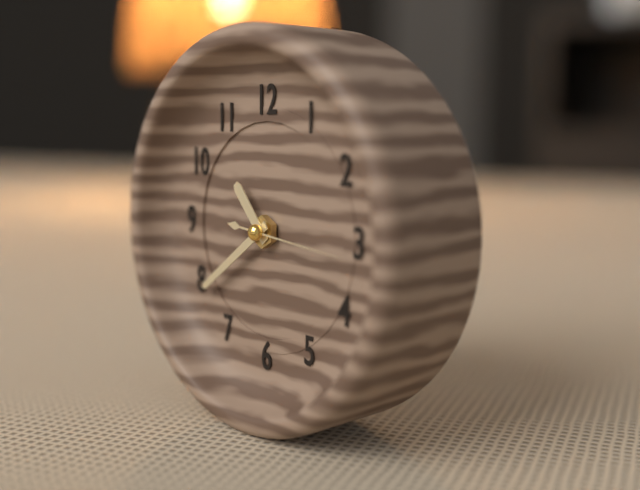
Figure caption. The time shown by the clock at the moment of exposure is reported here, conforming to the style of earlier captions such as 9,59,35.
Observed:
10,39,16
